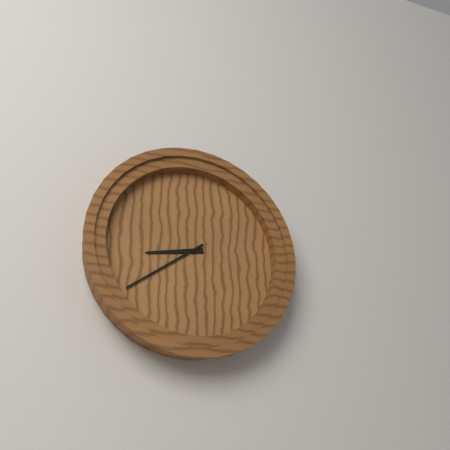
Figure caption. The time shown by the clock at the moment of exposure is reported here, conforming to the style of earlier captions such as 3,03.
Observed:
8,39
